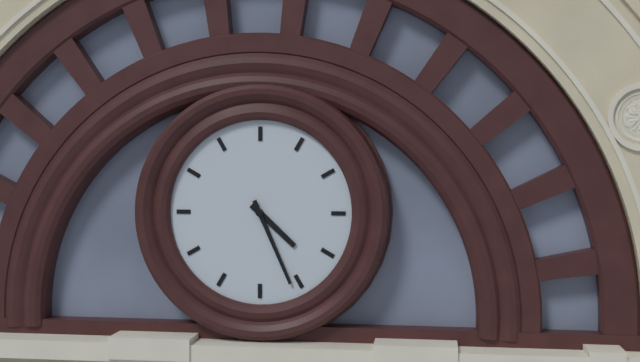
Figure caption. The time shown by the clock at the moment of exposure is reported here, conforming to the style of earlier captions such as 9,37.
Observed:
4,26
